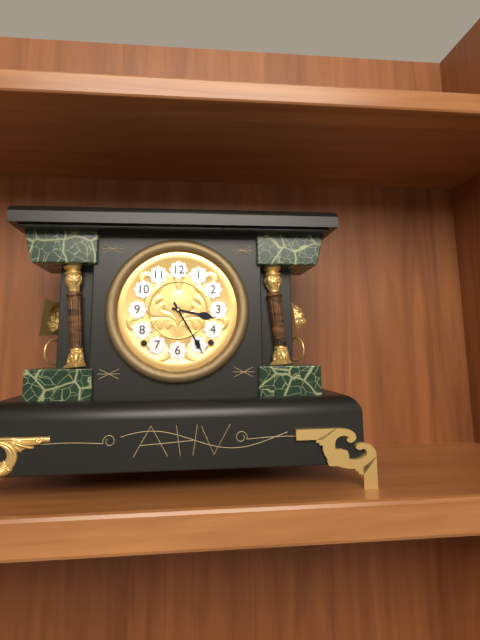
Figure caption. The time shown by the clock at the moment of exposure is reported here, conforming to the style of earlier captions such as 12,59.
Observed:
3,25
